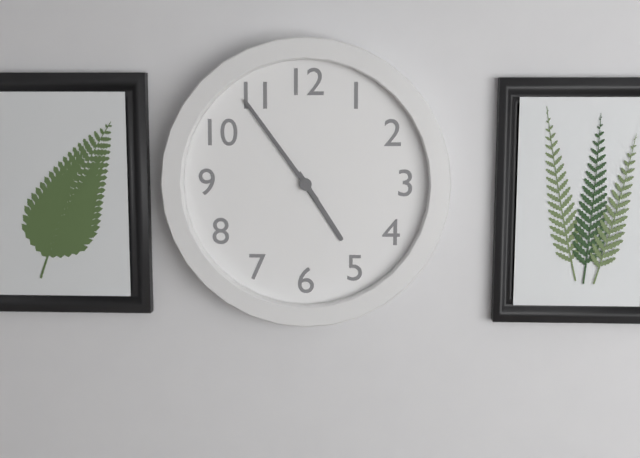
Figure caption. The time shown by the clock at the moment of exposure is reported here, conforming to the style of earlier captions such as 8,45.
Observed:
4,54
